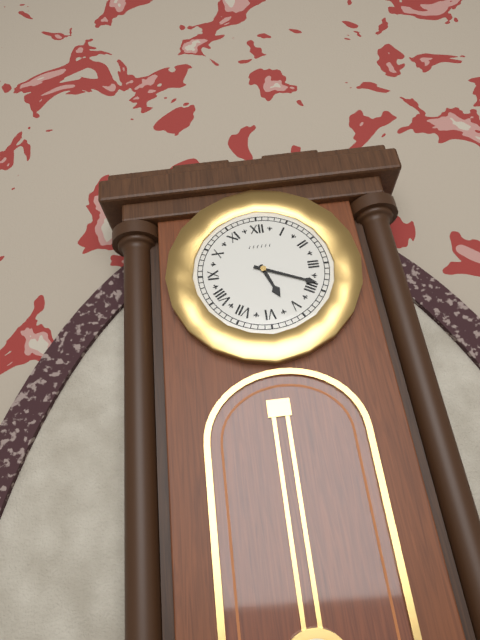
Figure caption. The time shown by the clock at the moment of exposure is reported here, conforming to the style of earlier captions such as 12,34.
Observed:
5,19
